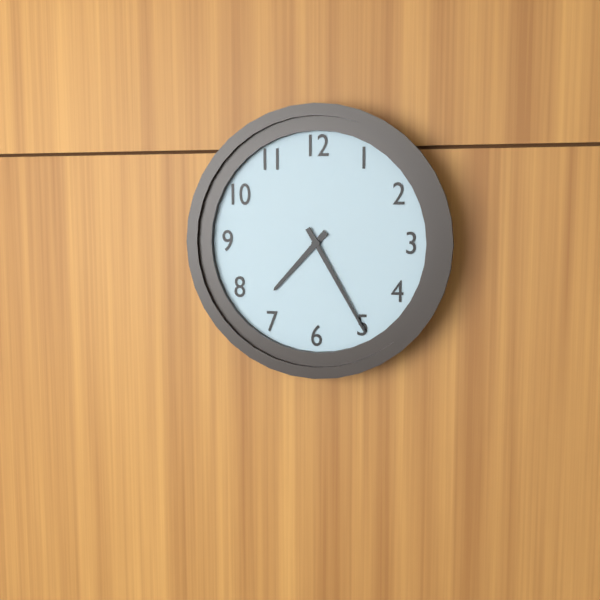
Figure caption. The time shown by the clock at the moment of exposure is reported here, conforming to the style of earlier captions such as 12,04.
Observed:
7,25
